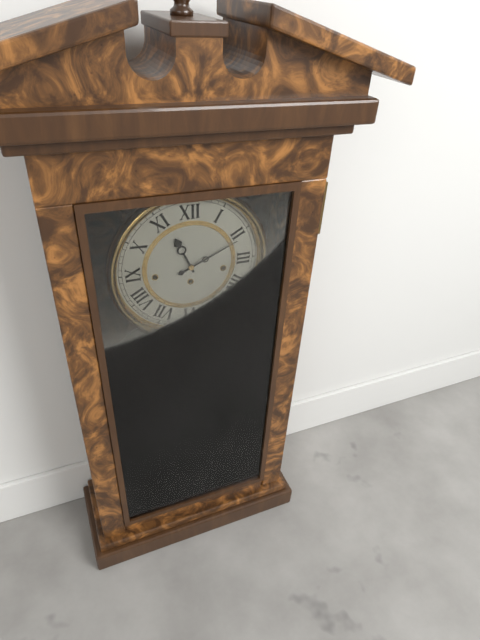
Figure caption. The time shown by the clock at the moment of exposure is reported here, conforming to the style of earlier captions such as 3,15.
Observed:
11,11
